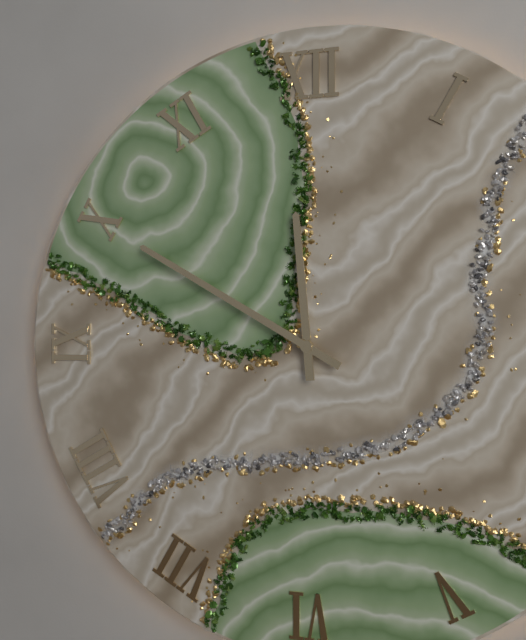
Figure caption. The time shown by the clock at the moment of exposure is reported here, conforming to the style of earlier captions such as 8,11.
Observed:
11,50
